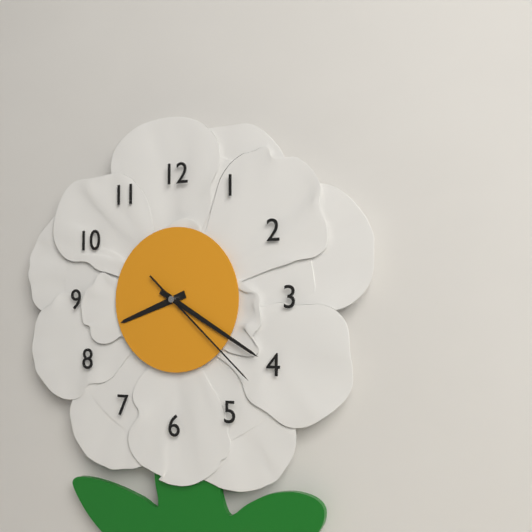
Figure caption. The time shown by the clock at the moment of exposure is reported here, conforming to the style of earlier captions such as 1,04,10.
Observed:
8,20,22
